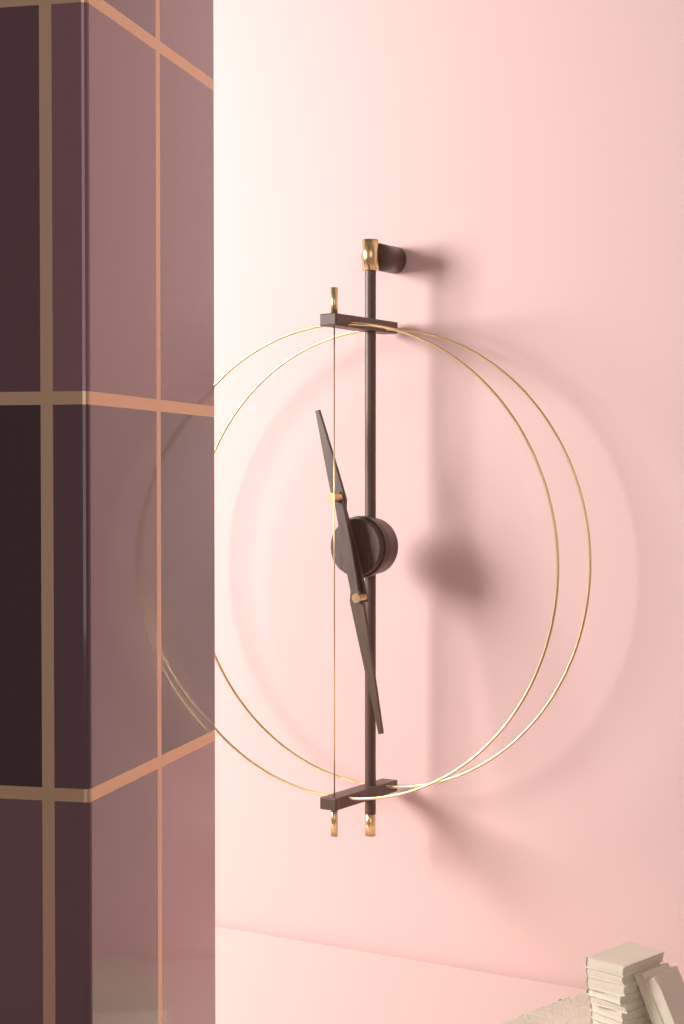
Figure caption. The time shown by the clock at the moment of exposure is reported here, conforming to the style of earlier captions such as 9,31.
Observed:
11,28
